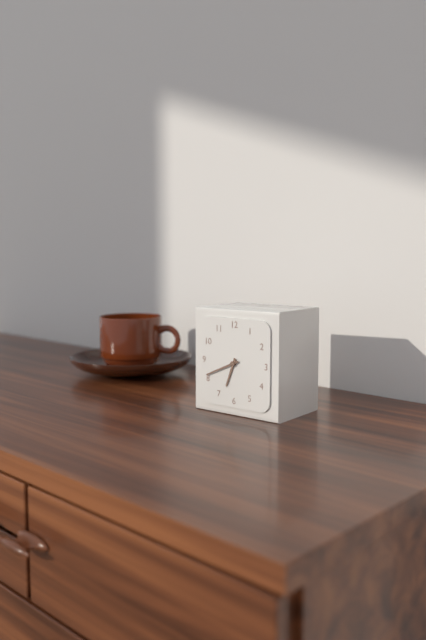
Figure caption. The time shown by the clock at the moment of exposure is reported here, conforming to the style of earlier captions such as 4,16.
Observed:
6,41
